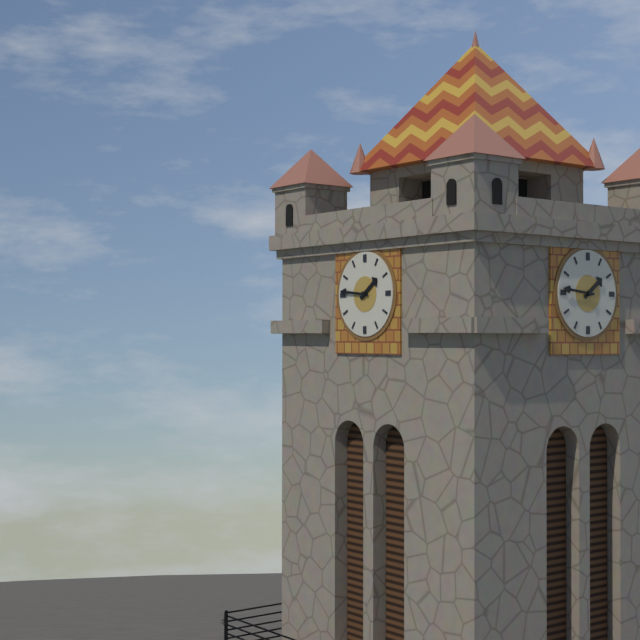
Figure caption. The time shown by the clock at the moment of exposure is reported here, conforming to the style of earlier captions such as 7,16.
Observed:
1,46
